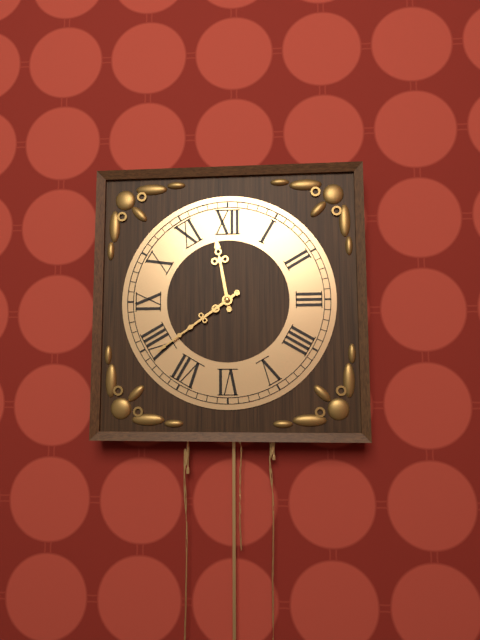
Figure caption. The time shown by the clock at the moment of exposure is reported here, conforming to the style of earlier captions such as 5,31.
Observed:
11,39
